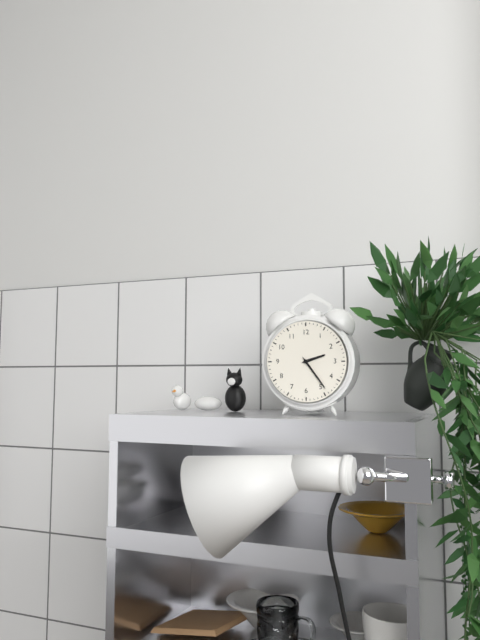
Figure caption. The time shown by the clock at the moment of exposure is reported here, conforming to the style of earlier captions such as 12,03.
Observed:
2,24
